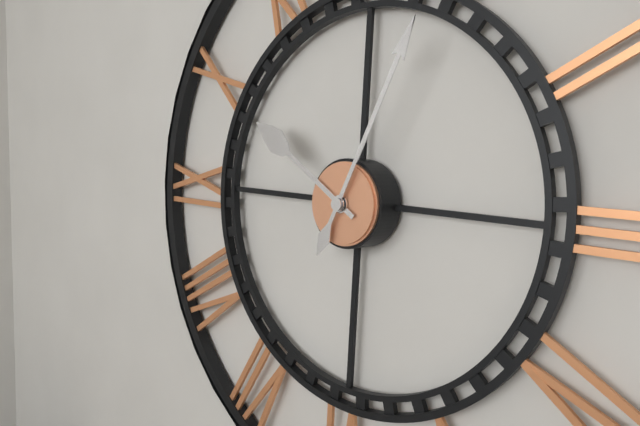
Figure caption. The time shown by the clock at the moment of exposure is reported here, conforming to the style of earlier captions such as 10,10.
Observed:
10,04
